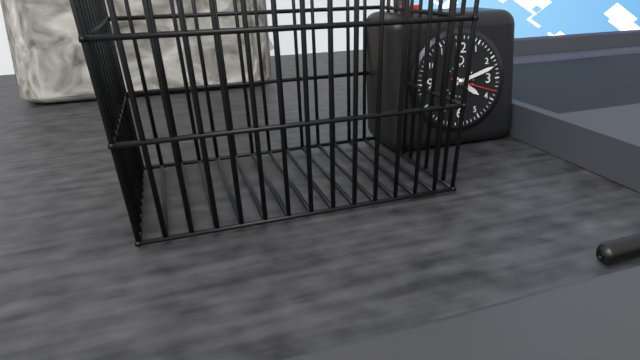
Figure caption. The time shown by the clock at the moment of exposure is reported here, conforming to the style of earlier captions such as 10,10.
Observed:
4,12
